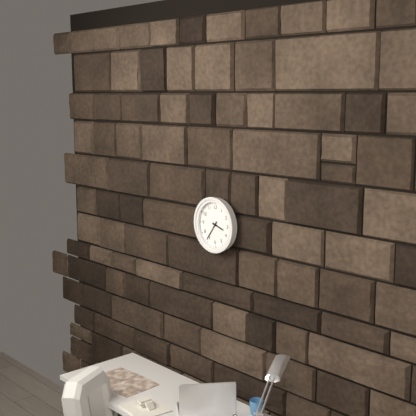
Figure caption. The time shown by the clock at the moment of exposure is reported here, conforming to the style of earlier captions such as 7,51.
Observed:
3,36
